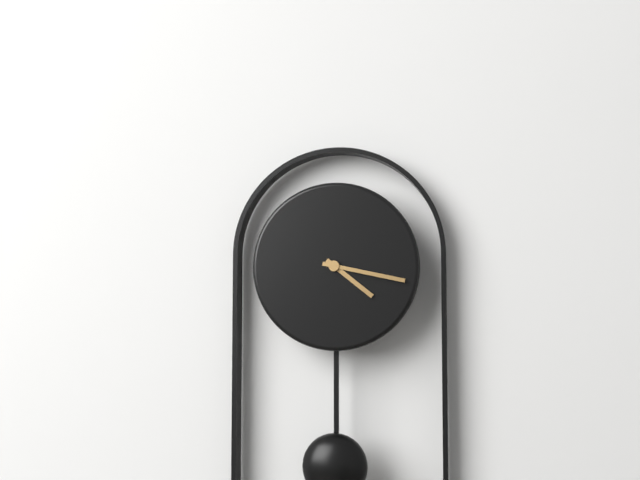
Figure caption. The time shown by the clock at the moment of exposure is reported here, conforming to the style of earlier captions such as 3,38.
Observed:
4,17
